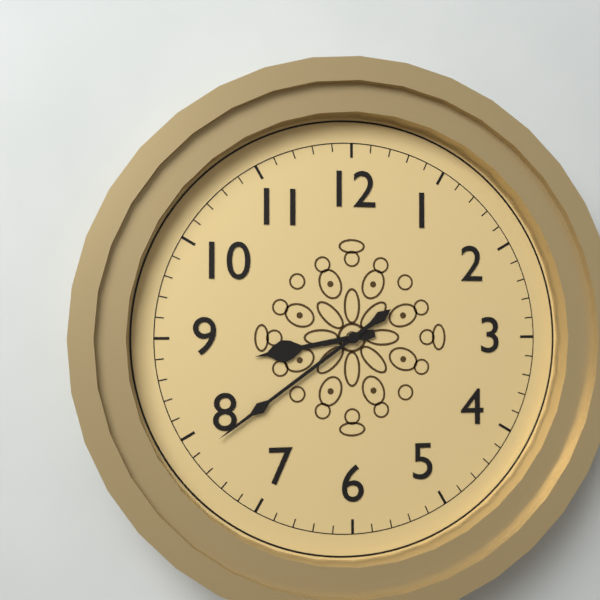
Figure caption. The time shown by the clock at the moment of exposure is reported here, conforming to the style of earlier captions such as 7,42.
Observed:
8,39
